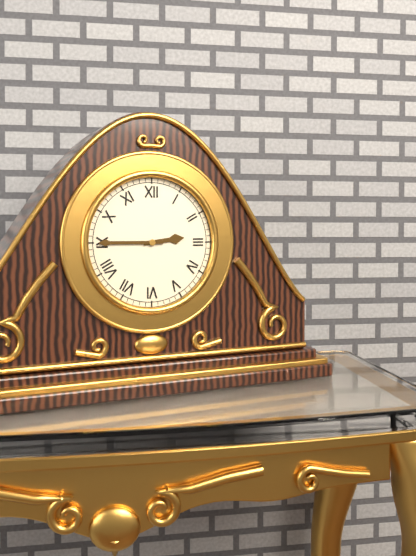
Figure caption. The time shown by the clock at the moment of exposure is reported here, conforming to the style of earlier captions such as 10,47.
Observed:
2,45
